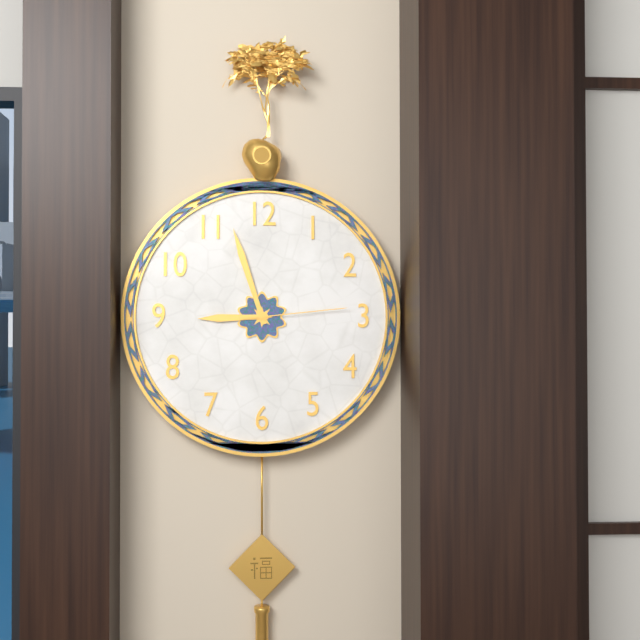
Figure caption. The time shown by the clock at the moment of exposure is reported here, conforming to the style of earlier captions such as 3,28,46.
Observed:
8,57,14
